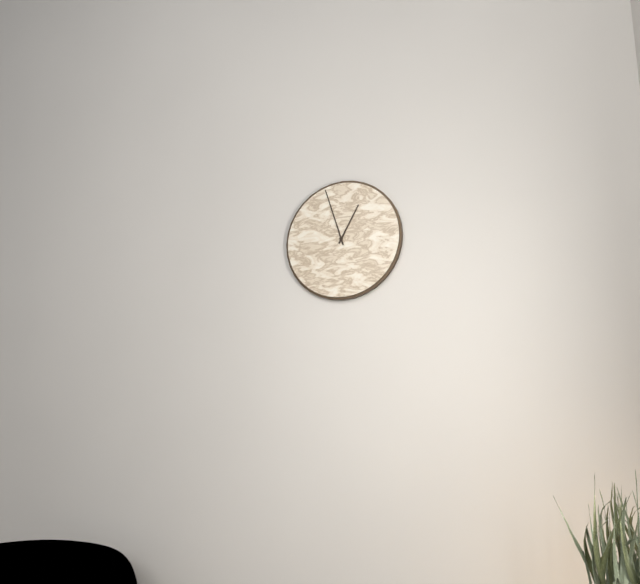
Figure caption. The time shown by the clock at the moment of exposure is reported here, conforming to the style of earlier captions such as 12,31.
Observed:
12,57
